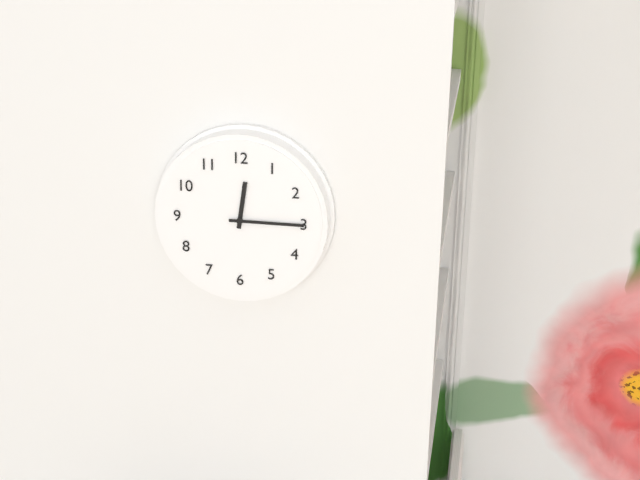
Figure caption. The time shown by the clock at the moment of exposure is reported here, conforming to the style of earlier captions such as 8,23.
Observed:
12,15
